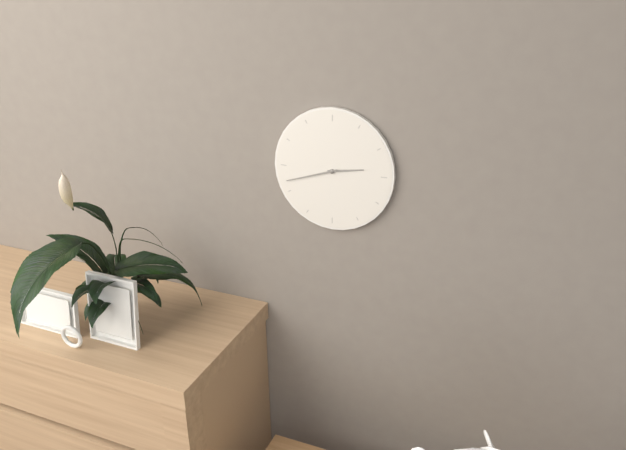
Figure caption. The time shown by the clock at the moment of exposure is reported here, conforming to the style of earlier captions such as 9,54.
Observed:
2,42
